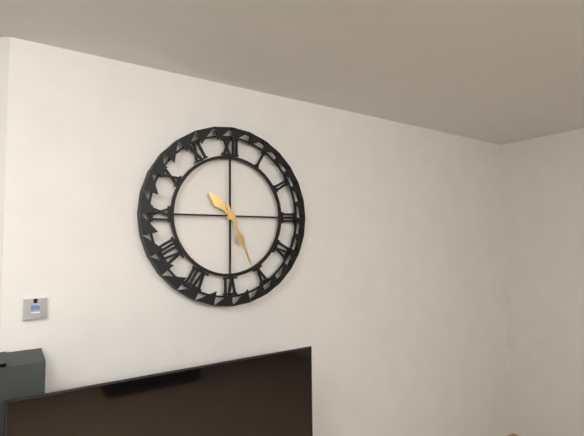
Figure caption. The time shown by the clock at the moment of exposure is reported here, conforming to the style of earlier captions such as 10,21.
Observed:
10,26
